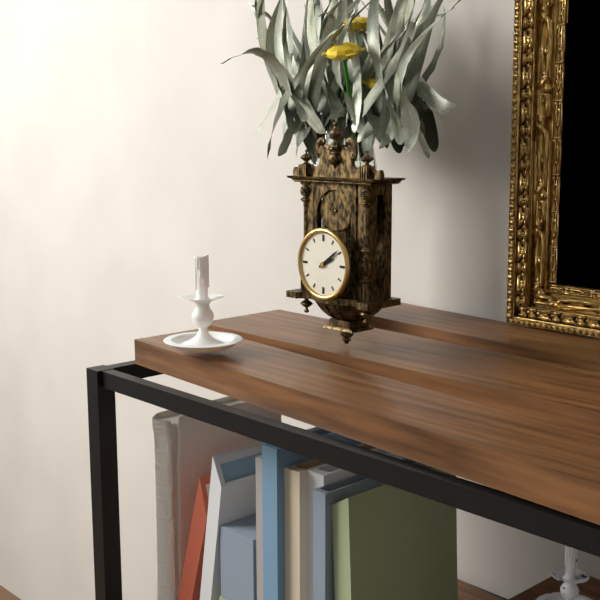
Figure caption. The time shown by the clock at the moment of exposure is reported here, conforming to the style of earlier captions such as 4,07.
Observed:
2,09
